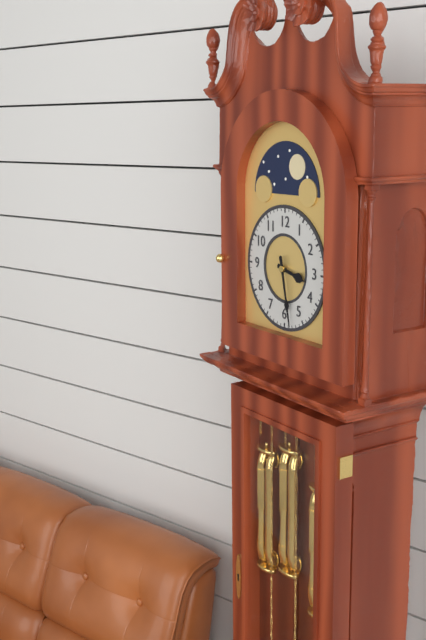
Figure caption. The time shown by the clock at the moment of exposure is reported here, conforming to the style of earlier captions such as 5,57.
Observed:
3,28
